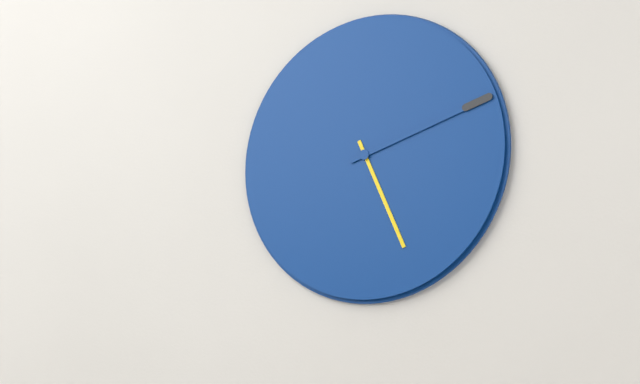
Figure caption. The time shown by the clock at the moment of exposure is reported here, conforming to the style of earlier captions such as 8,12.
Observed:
5,12
